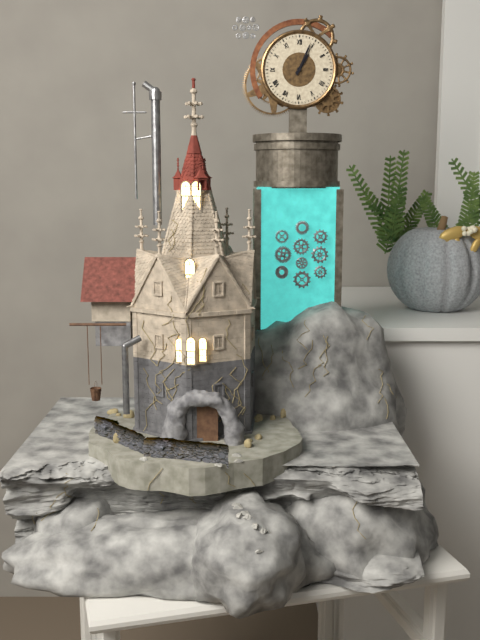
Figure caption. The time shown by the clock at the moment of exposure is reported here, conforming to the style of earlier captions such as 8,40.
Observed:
1,04
